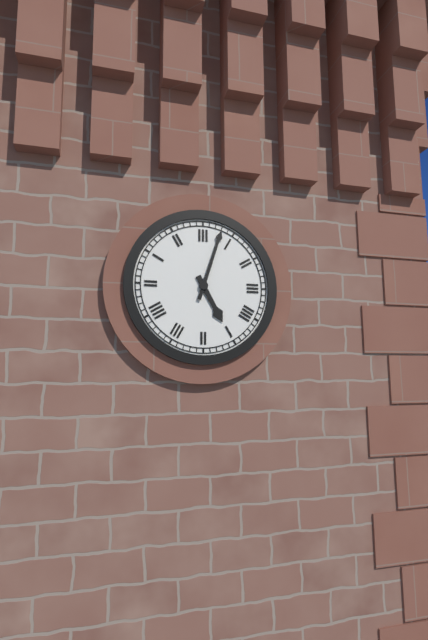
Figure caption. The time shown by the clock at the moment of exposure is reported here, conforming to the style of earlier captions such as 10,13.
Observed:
5,03
